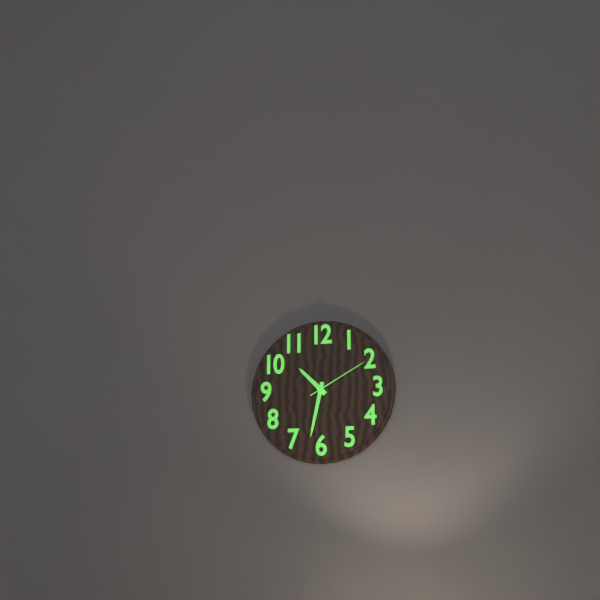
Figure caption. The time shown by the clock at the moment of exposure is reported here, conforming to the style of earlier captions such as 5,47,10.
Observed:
10,32,10
